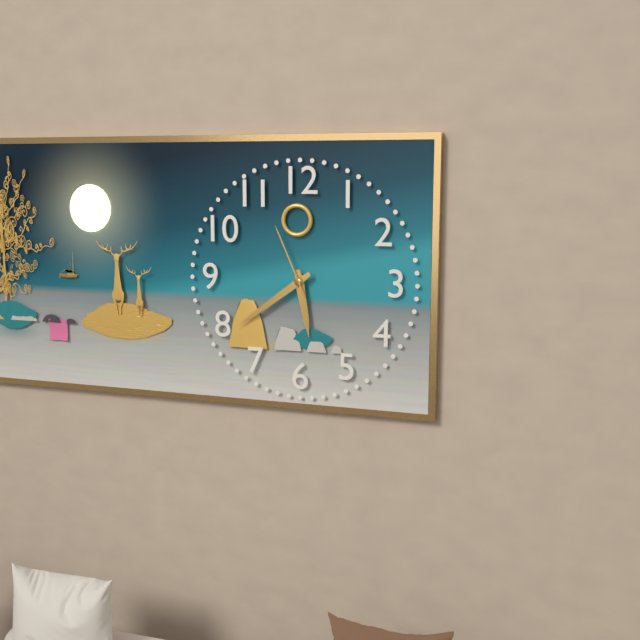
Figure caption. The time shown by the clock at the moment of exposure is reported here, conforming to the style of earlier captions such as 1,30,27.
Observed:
5,39,56
